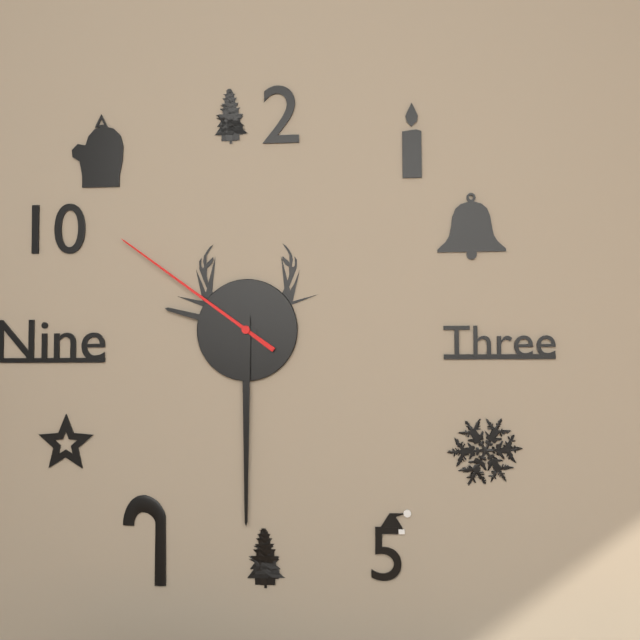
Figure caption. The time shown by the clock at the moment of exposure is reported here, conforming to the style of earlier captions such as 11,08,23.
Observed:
9,30,51
